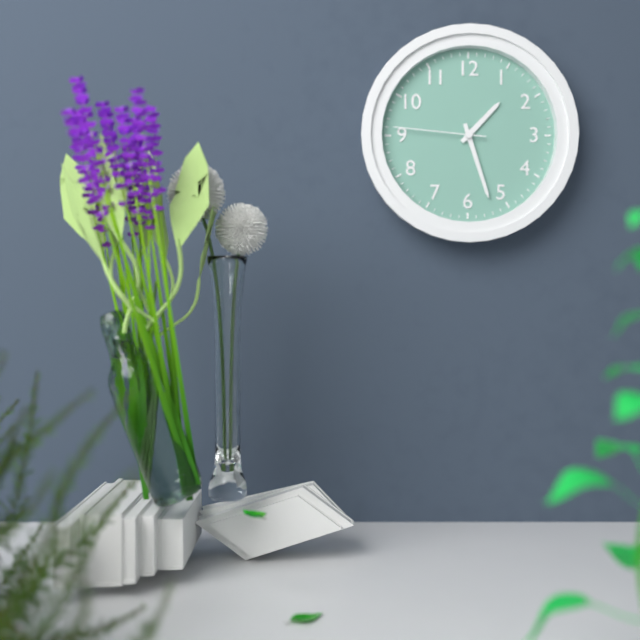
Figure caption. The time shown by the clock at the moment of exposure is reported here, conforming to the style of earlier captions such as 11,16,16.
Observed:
1,27,46
